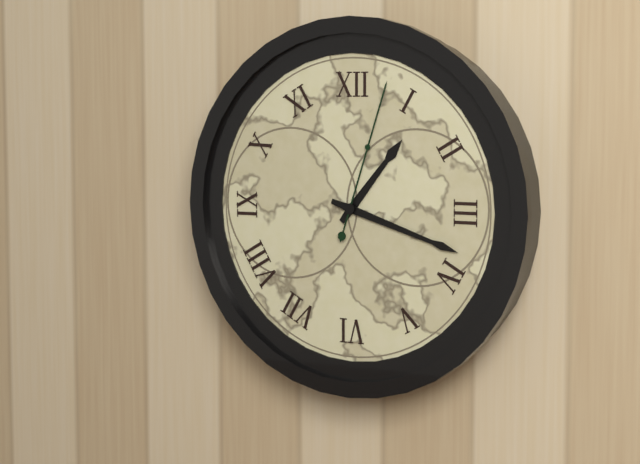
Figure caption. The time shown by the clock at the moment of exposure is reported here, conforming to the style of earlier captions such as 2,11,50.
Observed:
1,18,03
